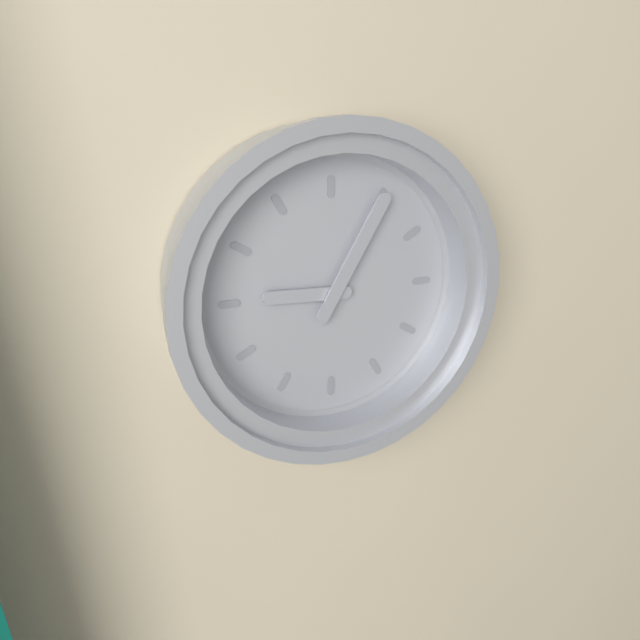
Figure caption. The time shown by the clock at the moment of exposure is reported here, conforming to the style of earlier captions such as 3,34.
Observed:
9,05
